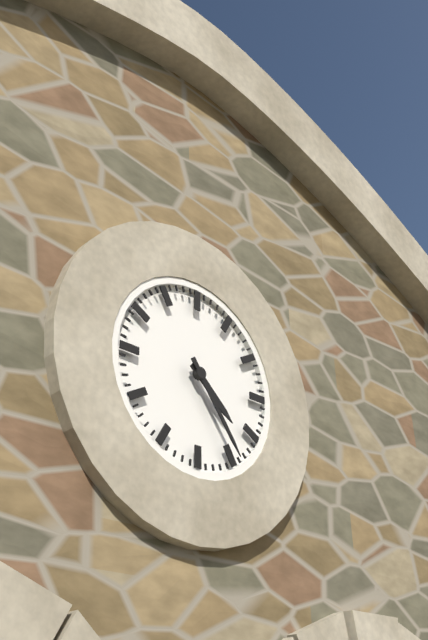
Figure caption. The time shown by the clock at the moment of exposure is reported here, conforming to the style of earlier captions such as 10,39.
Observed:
4,24
